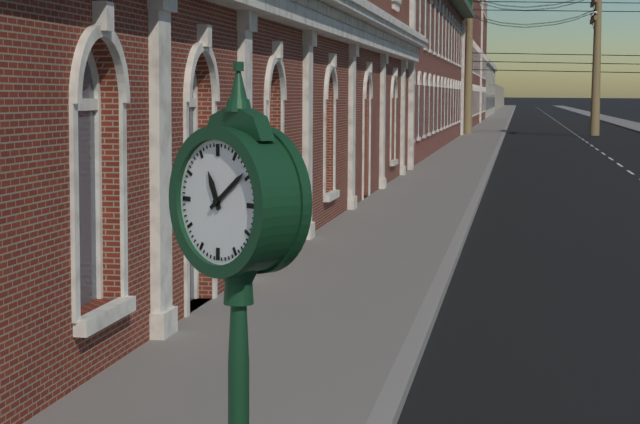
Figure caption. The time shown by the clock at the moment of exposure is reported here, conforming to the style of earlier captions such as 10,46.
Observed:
11,09
